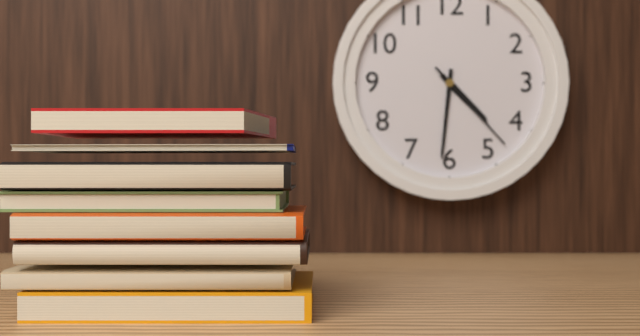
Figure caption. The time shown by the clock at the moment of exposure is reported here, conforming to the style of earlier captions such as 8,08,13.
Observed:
4,31,23
